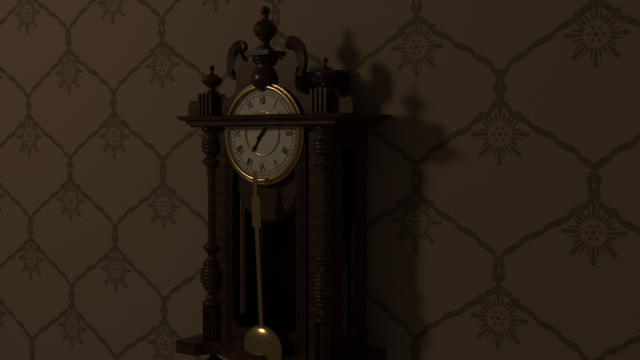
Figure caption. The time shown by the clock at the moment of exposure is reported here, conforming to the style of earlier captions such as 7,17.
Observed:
7,08
